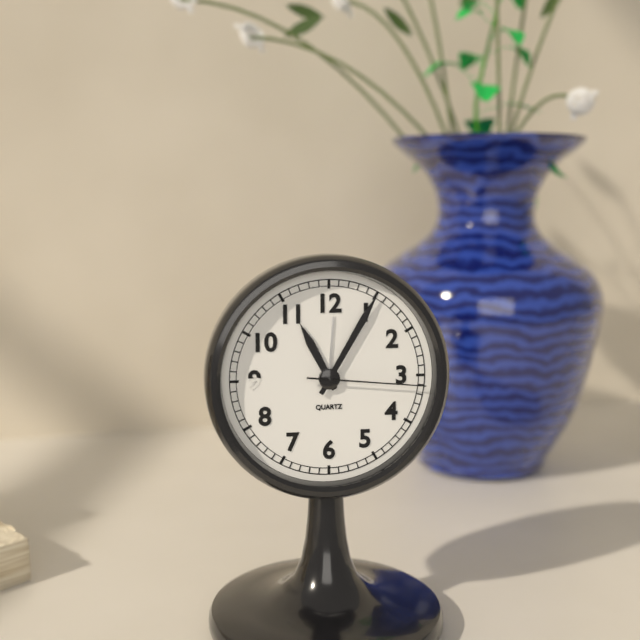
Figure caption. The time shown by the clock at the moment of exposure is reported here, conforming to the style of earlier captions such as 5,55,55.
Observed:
11,05,16
